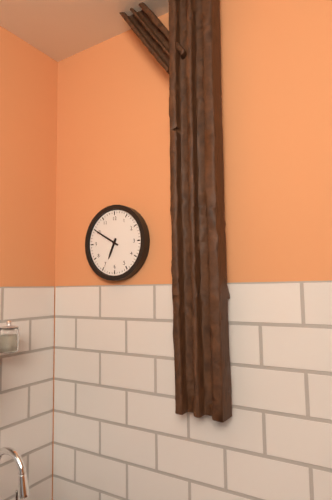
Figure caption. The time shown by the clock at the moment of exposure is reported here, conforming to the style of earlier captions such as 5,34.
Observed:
6,50
